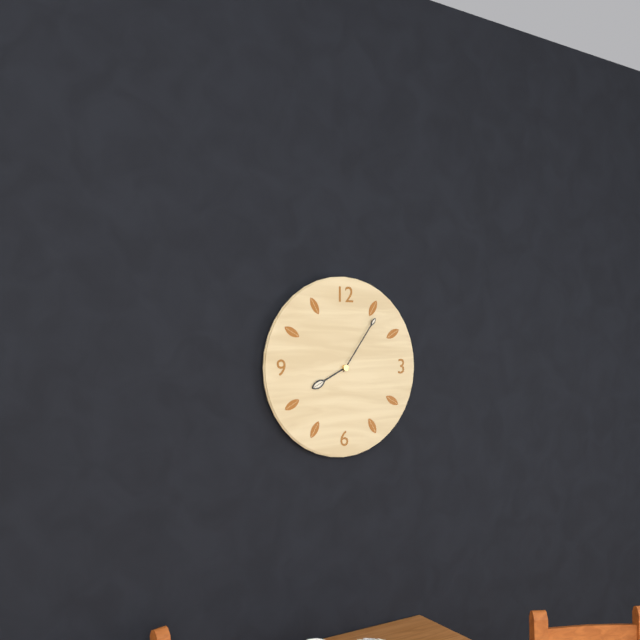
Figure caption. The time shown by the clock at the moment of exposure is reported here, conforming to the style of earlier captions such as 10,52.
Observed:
8,06
